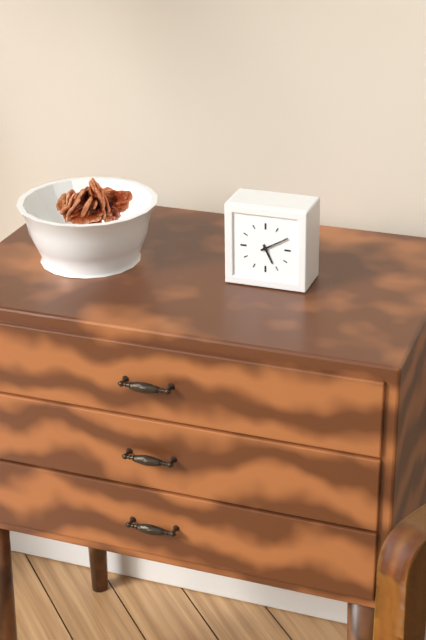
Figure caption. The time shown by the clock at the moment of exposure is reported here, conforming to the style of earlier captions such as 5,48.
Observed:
5,10
